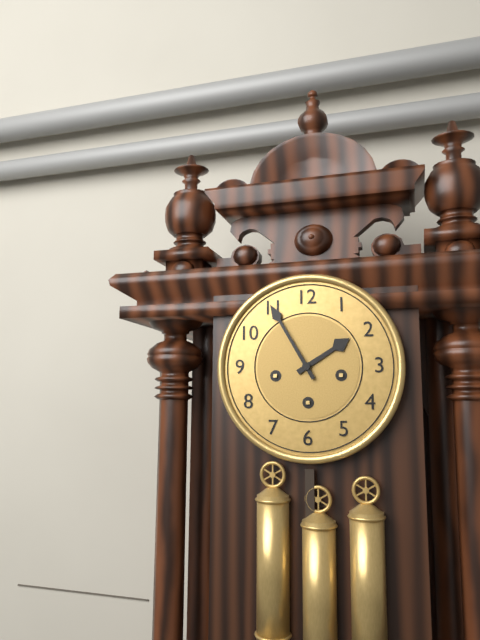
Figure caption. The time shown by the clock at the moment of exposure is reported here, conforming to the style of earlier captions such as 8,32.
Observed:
1,55
